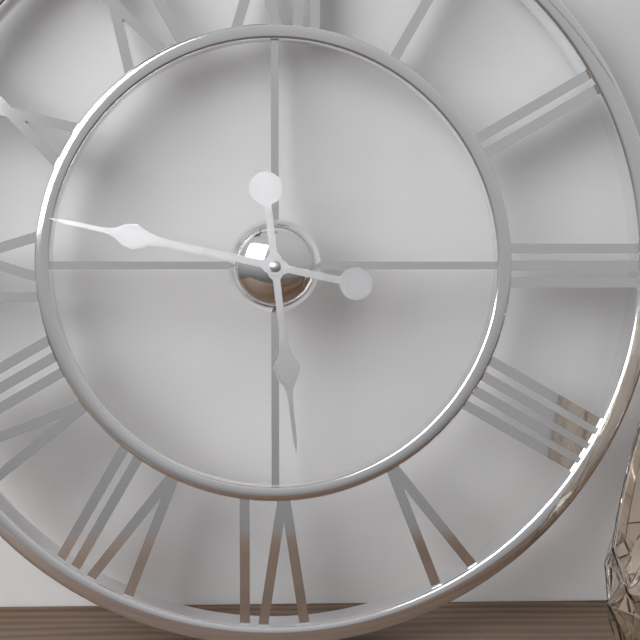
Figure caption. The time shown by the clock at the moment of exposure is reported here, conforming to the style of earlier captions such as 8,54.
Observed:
5,47
